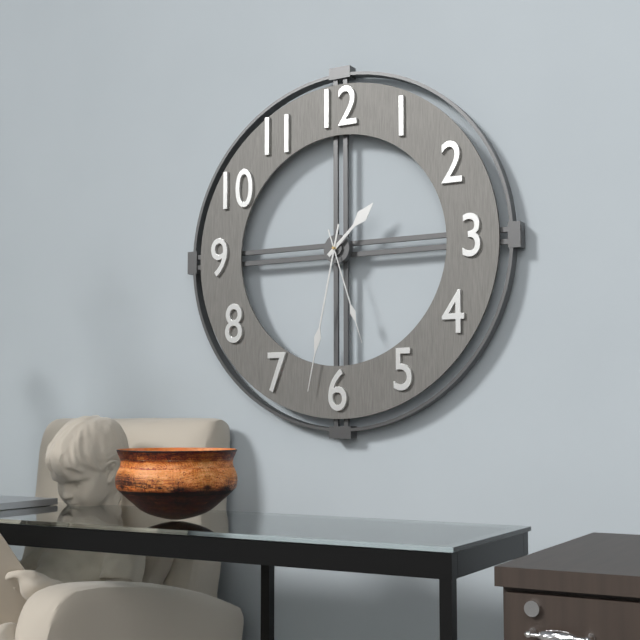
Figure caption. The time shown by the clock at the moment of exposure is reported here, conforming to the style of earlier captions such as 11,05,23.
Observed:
1,32,27
